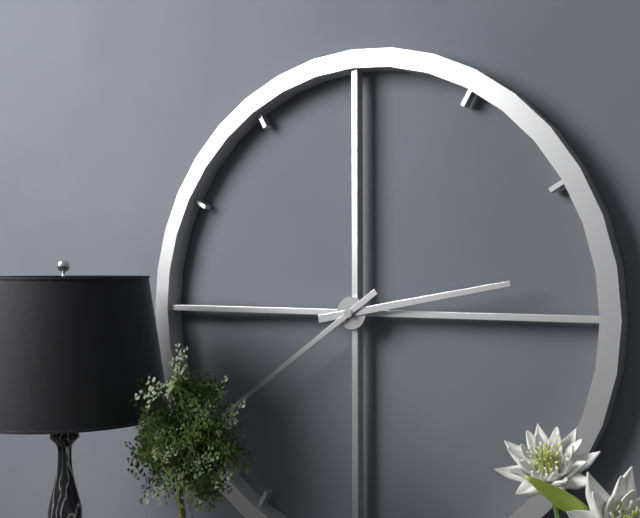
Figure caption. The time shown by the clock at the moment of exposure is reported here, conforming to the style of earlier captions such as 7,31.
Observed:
2,39
